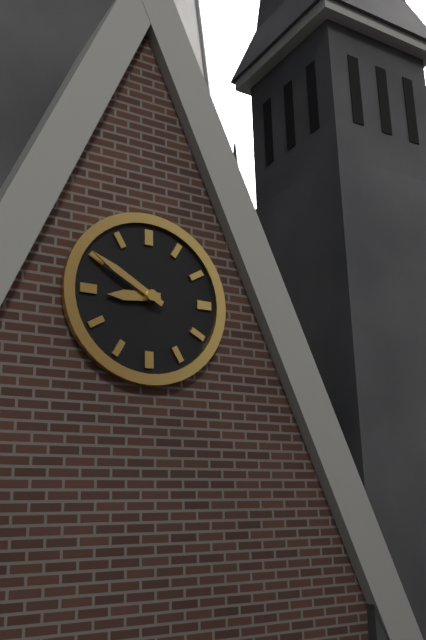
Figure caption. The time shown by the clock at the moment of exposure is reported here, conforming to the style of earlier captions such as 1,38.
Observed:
8,50
